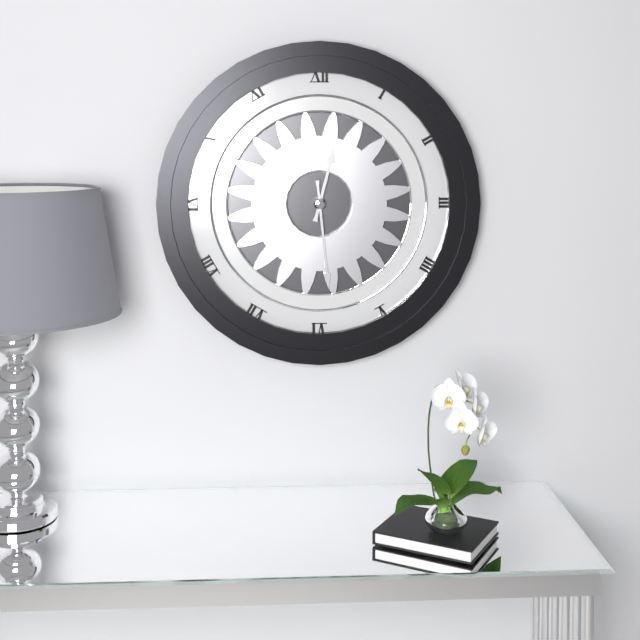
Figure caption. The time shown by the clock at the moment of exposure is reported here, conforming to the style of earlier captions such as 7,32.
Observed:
12,29
